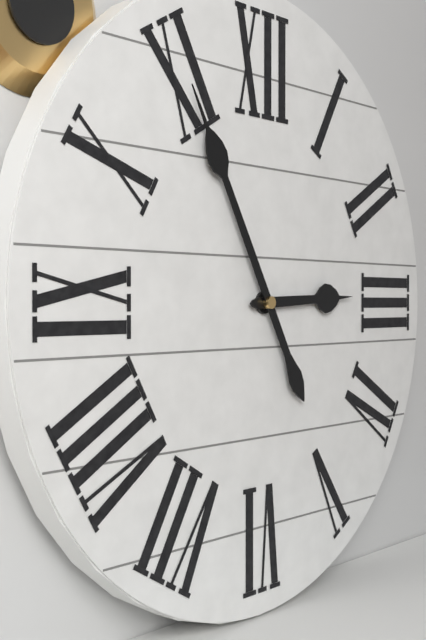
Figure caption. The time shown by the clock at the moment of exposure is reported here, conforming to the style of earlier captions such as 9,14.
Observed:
2,55
